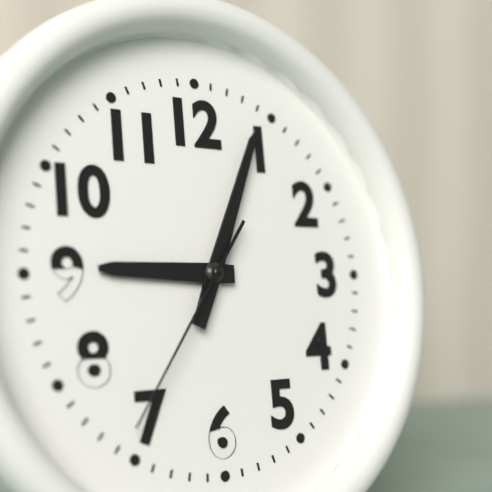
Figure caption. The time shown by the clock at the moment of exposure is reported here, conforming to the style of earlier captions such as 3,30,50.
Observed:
9,04,36
